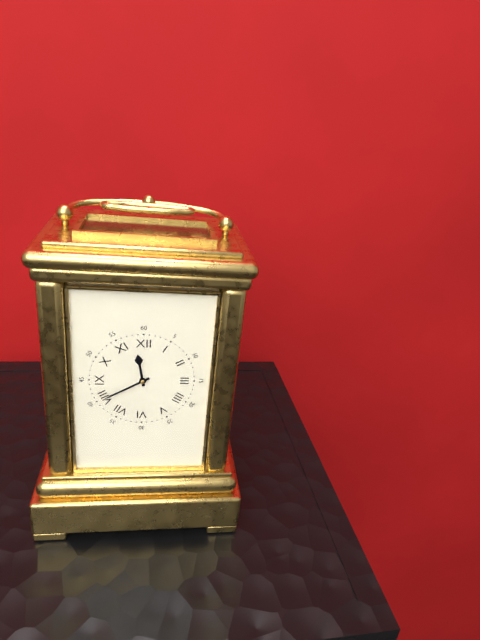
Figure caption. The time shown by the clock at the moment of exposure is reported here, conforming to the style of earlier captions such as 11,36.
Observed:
11,40
